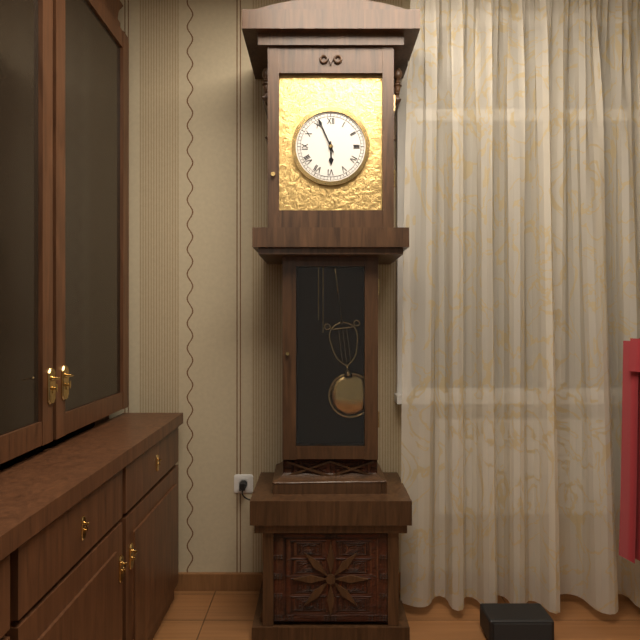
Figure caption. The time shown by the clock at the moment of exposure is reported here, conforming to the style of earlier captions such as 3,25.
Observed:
5,56
